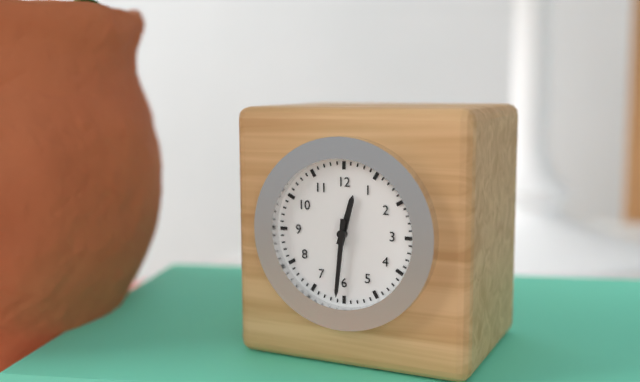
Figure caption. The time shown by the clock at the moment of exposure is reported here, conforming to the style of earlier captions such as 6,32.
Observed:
12,31
